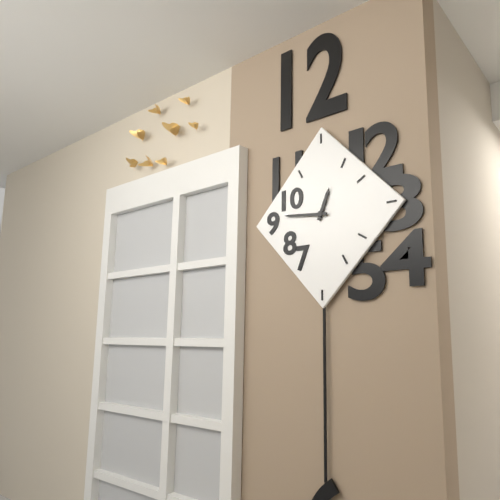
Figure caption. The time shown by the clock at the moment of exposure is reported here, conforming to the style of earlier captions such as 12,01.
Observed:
12,46
